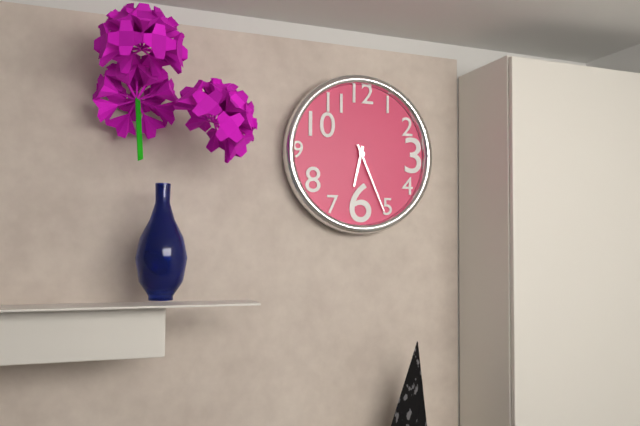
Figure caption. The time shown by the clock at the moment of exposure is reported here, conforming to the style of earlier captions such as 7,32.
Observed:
6,26
